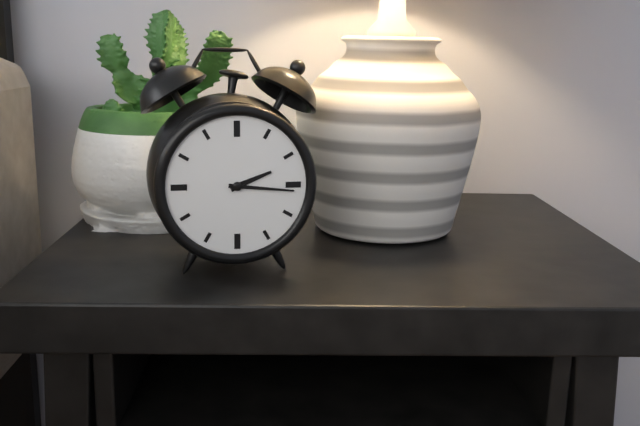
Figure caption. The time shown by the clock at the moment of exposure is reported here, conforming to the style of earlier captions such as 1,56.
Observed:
2,16
